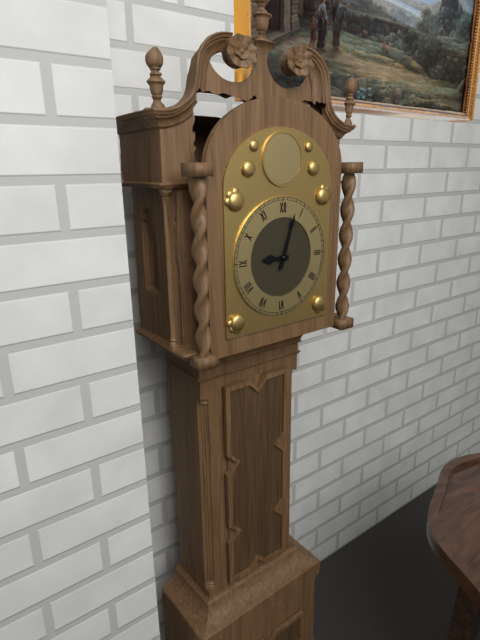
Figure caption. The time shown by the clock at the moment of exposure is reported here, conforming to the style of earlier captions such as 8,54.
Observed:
9,03
